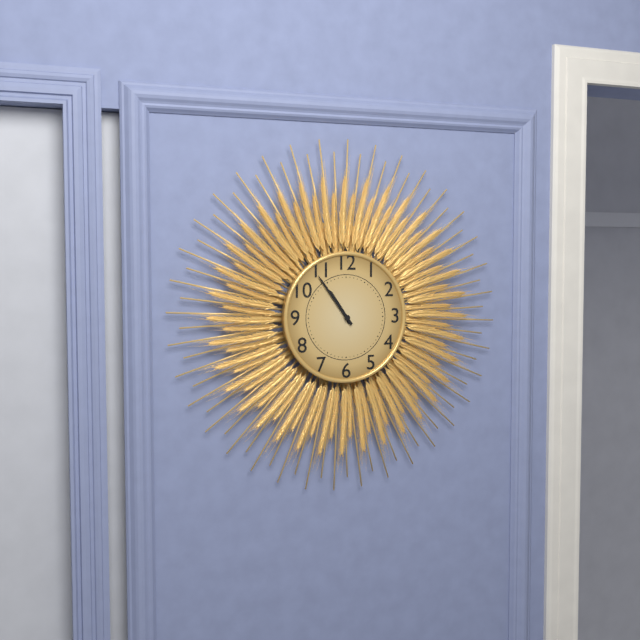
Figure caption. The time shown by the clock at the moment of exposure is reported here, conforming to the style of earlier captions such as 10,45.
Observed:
10,54
